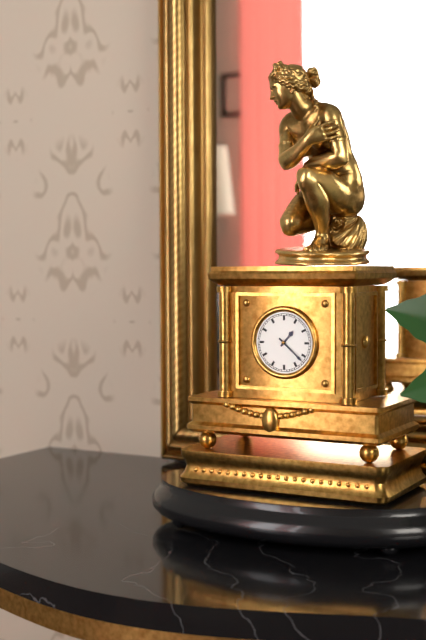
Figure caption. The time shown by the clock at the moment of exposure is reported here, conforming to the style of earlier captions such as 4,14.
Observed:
1,22
